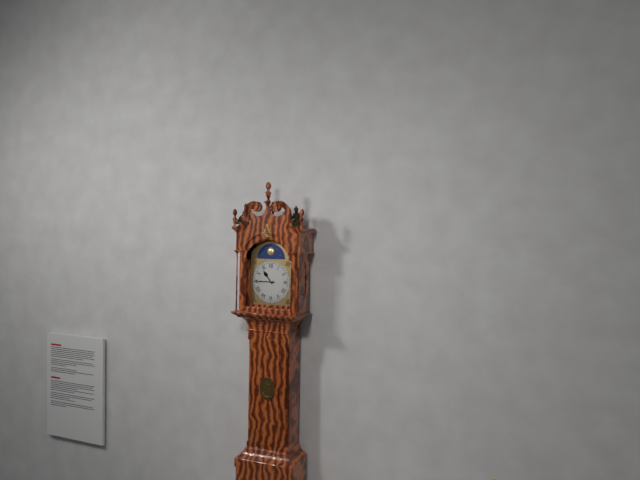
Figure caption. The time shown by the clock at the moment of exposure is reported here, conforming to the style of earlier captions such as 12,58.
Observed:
10,45
